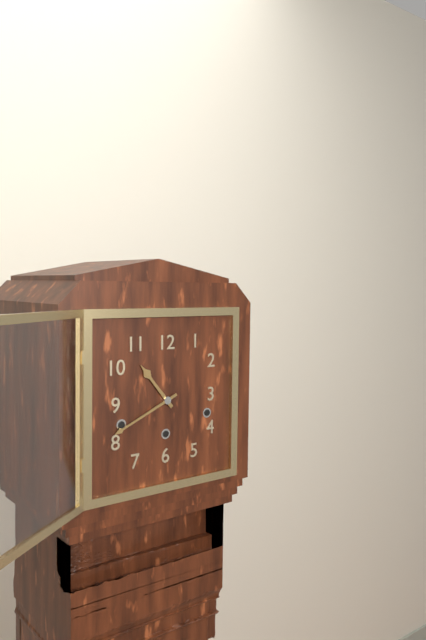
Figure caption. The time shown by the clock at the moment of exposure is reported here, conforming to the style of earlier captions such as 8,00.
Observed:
10,41
